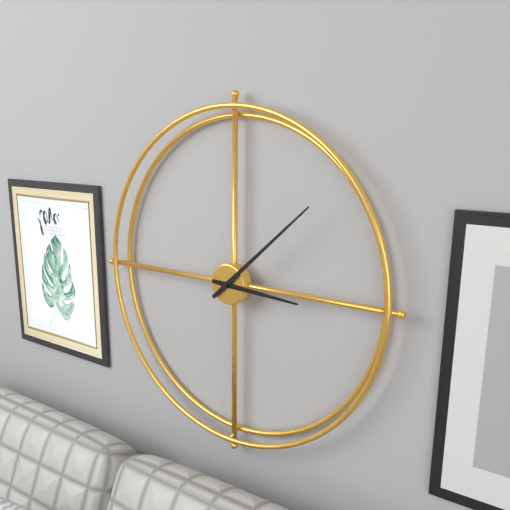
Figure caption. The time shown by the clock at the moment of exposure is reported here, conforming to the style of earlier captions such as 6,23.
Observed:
3,08
